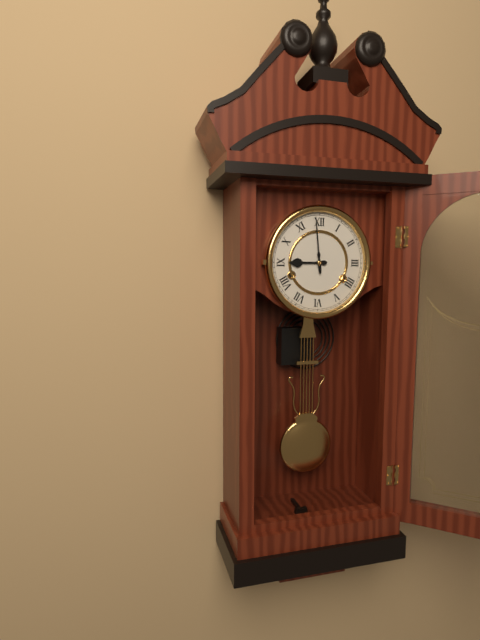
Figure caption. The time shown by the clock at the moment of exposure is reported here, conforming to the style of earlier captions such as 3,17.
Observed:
8,59
